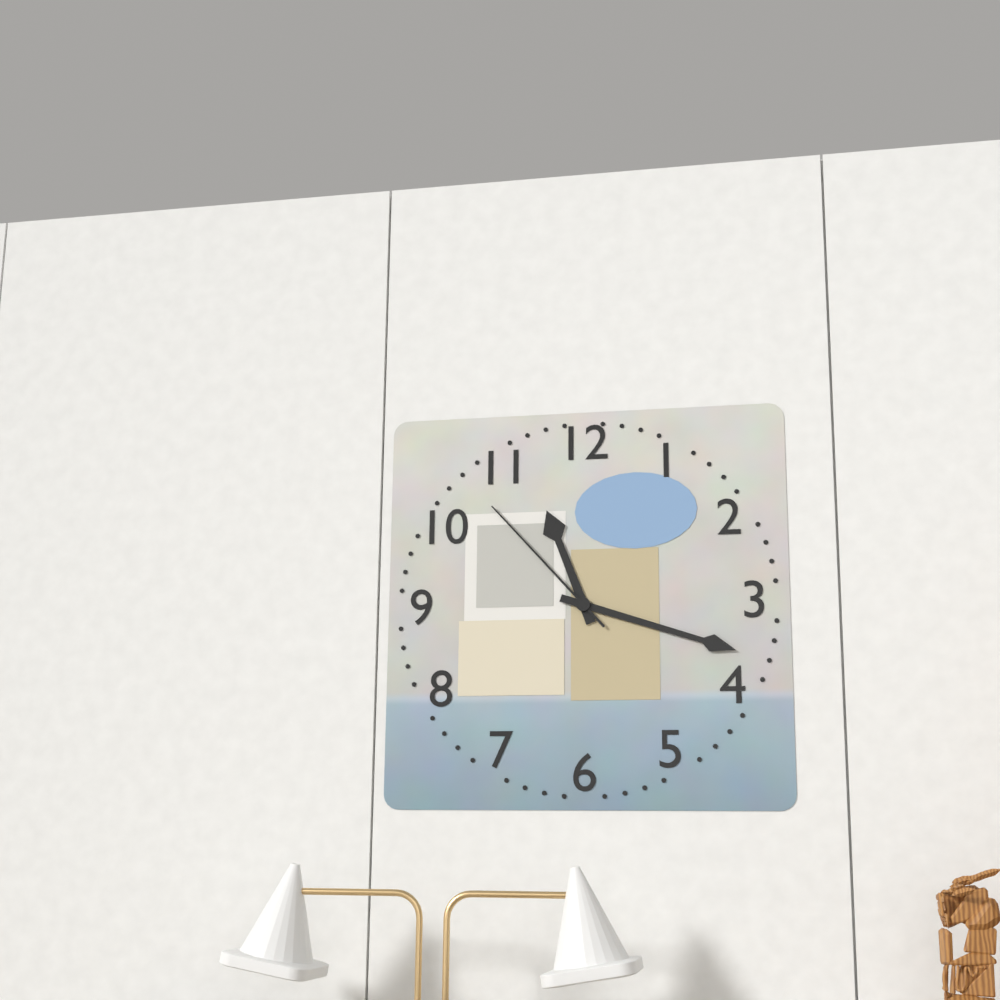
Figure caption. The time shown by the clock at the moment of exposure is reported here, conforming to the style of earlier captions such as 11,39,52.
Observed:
11,18,53
